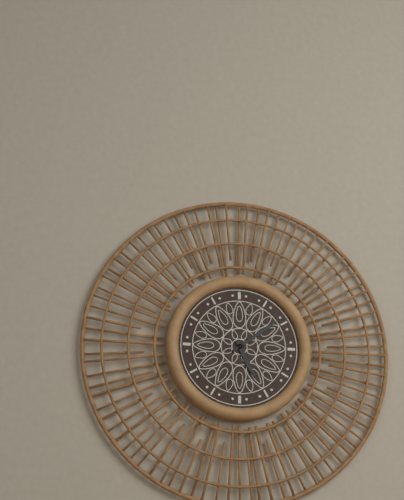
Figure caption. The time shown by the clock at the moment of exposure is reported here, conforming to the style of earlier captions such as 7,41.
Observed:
5,09
